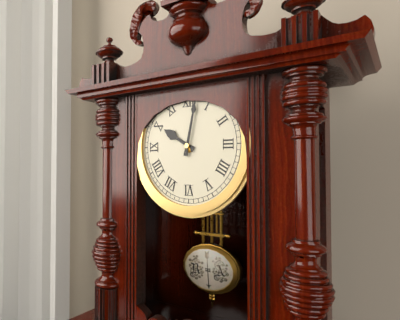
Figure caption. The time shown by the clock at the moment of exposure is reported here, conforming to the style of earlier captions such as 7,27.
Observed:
10,02
